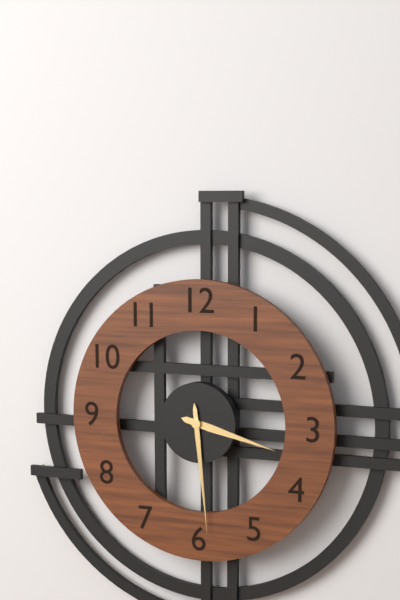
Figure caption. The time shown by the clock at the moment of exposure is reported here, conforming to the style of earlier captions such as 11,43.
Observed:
3,29
